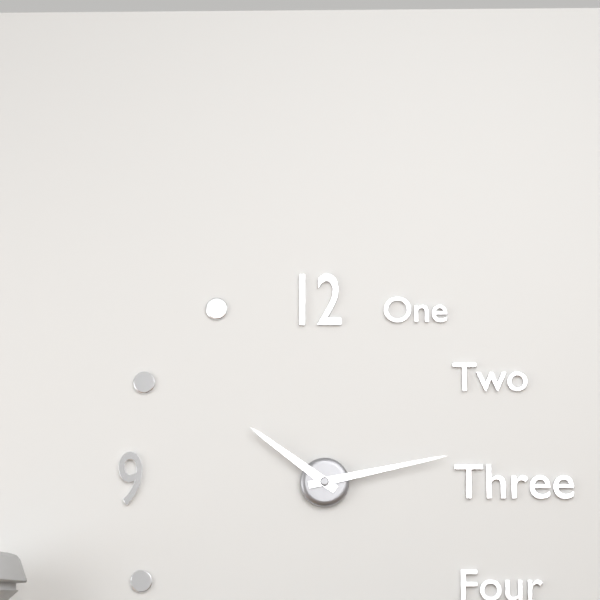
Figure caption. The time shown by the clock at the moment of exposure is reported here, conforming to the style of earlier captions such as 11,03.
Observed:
10,13
